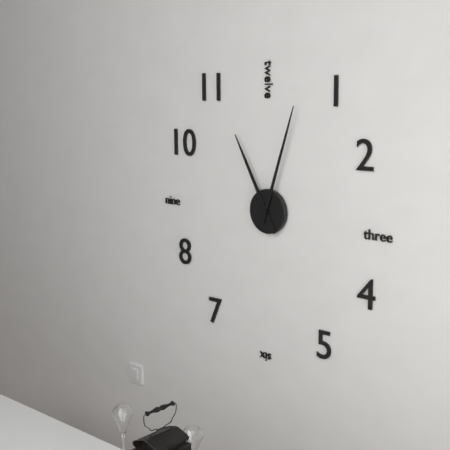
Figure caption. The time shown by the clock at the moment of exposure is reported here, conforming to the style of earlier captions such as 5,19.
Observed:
11,03
